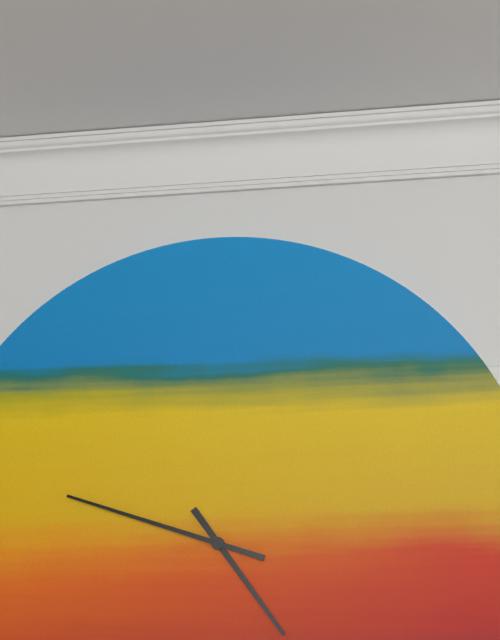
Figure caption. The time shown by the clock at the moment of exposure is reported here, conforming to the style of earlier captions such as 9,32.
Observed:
4,48
